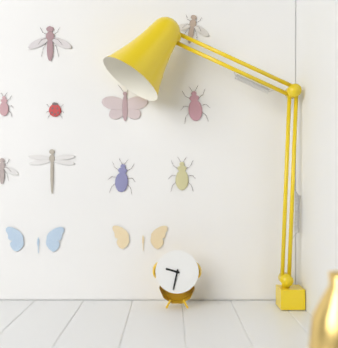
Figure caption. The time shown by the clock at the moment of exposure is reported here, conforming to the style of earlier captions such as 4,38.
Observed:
9,32
